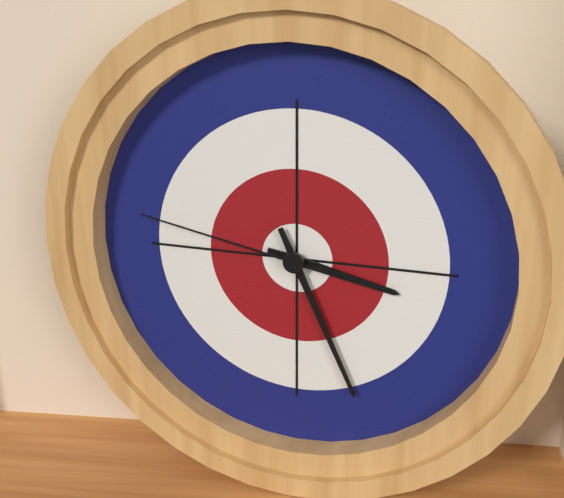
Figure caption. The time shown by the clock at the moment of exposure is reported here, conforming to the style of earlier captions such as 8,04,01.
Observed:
3,26,47
